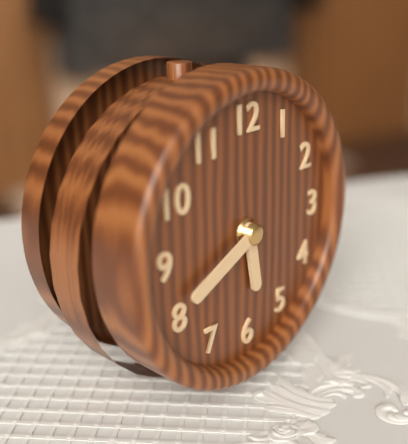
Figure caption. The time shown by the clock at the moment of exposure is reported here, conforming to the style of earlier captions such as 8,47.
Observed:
5,41
